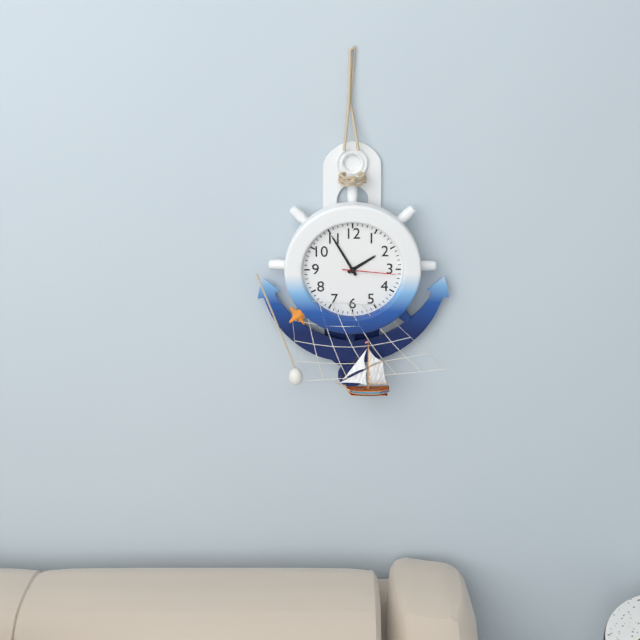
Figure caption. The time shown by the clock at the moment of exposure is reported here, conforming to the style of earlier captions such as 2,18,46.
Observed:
1,55,16
